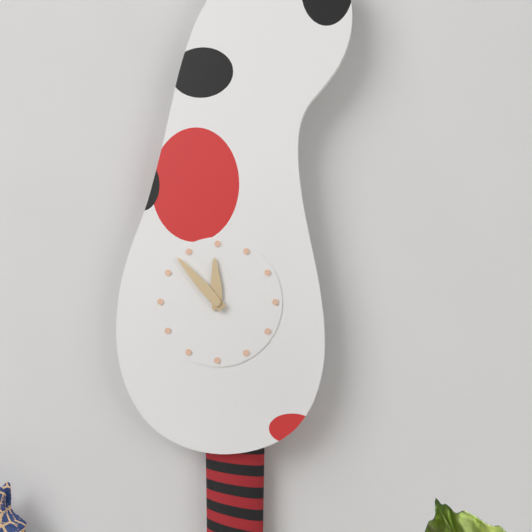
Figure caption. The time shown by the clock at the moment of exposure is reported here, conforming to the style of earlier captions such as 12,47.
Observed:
11,53
